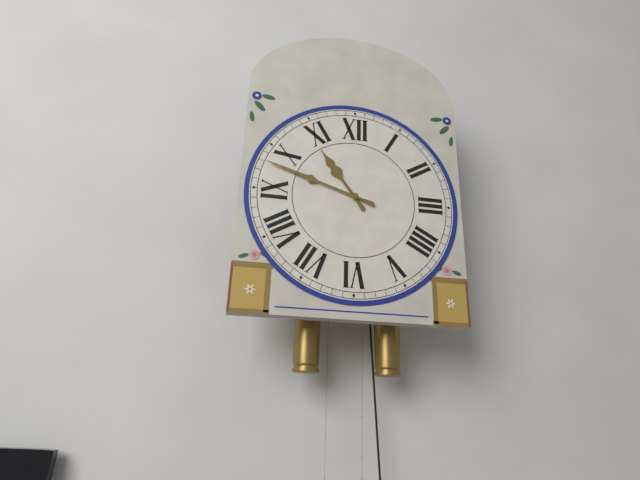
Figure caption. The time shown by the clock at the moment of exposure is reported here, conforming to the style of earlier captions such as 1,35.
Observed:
10,48
